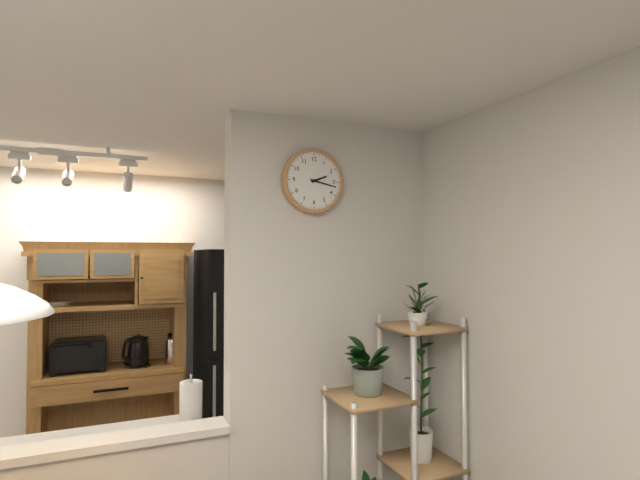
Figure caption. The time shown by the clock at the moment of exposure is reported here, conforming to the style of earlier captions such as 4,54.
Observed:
2,17
